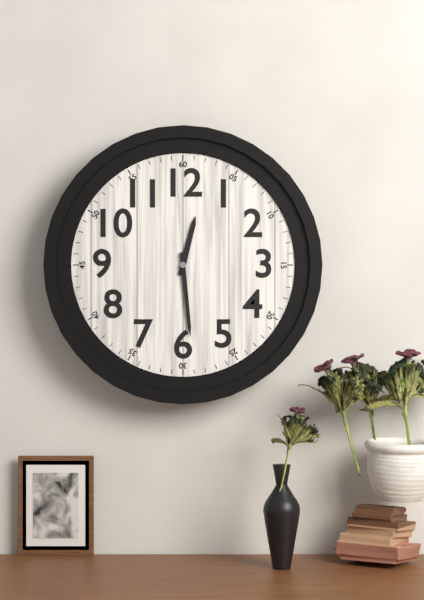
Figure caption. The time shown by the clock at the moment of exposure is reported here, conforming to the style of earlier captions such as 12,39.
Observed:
12,29
